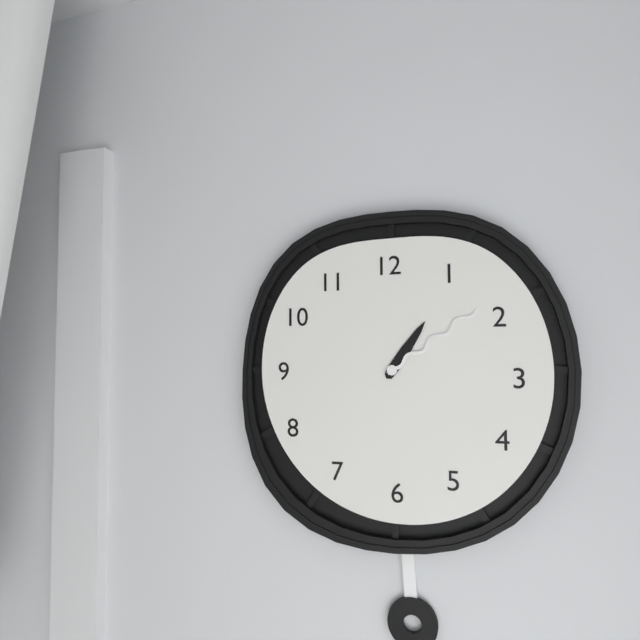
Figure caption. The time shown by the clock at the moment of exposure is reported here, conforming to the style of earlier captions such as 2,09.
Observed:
1,09
